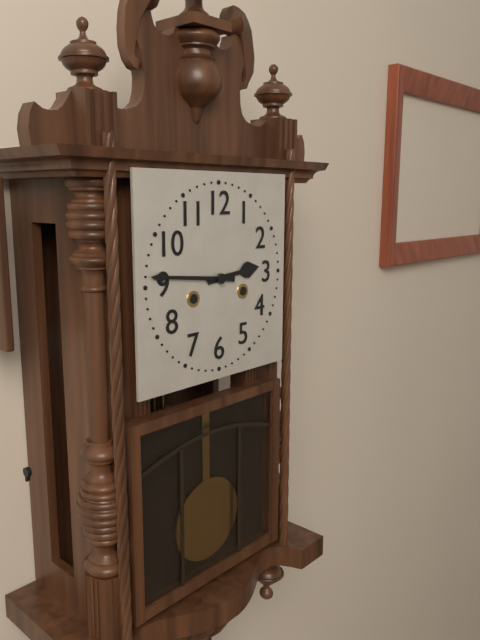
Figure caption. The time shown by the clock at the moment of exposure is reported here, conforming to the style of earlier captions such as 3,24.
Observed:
2,46
